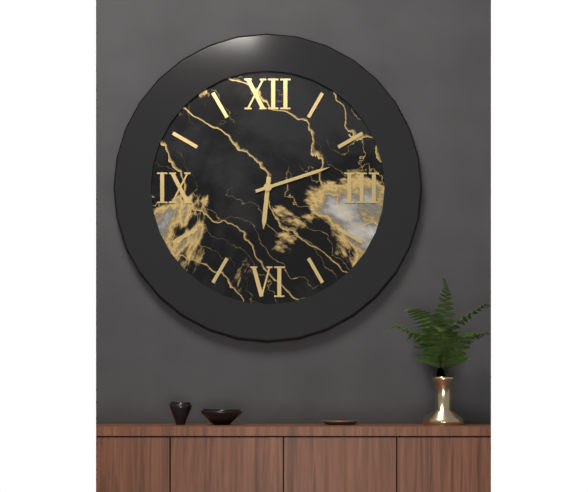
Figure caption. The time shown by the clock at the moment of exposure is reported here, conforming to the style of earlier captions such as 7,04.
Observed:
6,12
